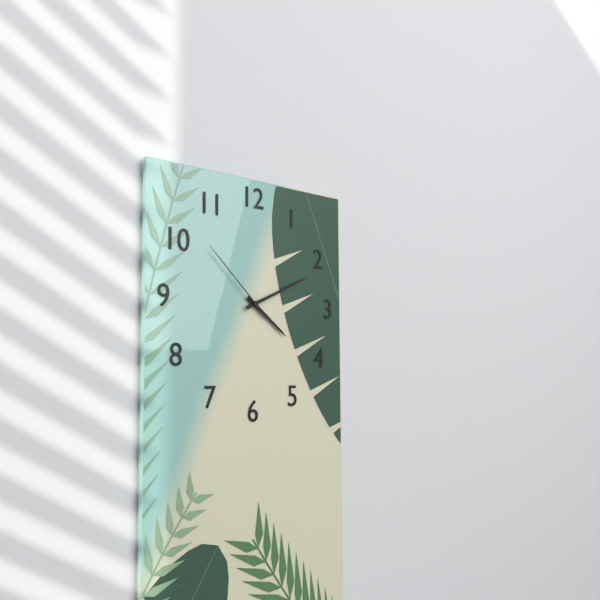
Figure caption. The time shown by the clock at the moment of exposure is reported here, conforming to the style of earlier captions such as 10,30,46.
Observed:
4,11,52
